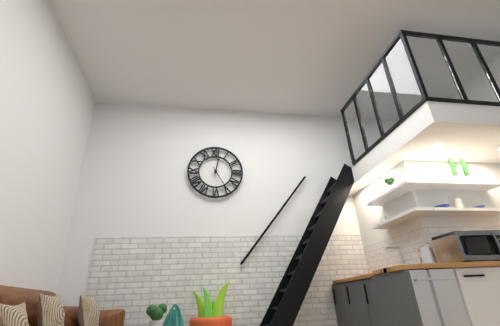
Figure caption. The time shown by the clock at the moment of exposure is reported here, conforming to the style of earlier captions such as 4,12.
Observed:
12,25
